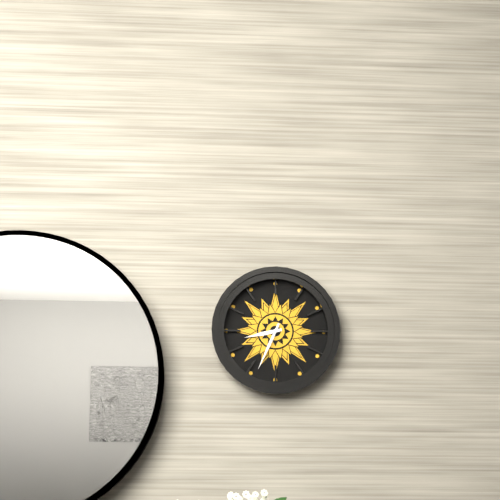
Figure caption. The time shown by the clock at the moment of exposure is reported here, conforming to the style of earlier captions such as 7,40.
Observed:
8,34
